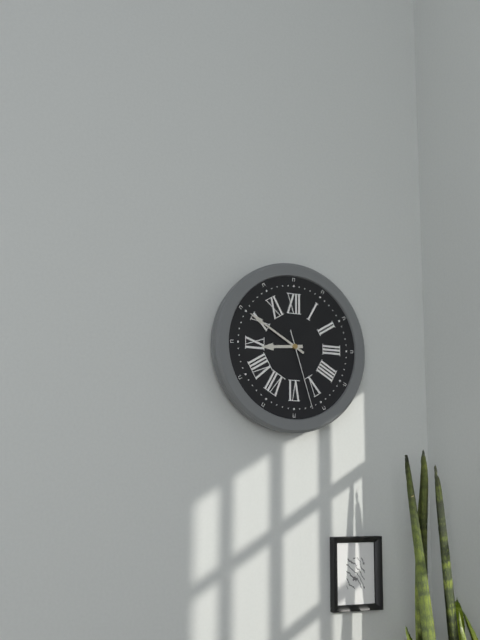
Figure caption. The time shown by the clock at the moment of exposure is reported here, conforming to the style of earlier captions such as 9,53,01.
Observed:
8,50,27
